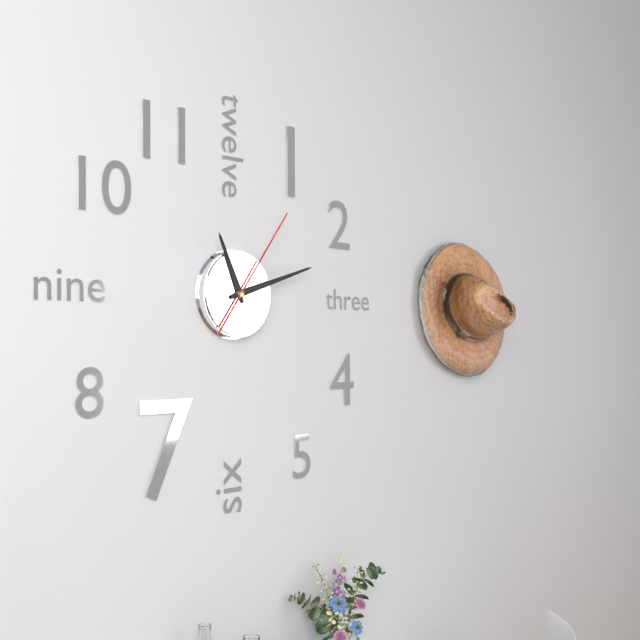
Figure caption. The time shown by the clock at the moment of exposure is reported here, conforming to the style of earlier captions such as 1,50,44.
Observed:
11,12,06
